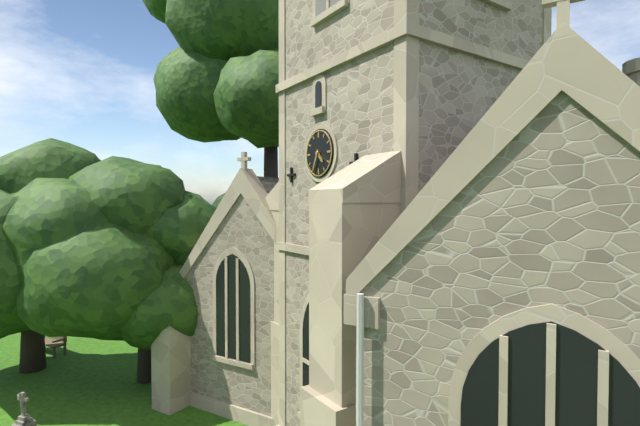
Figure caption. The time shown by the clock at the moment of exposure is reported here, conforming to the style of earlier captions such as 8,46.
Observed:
4,34
